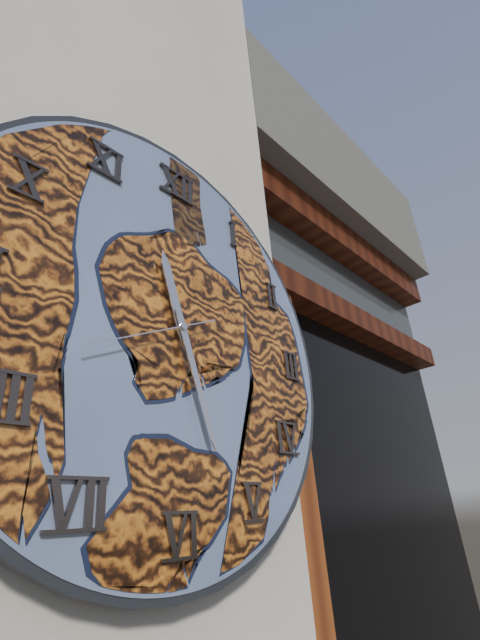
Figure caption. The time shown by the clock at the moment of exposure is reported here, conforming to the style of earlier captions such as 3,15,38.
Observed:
11,27,41
